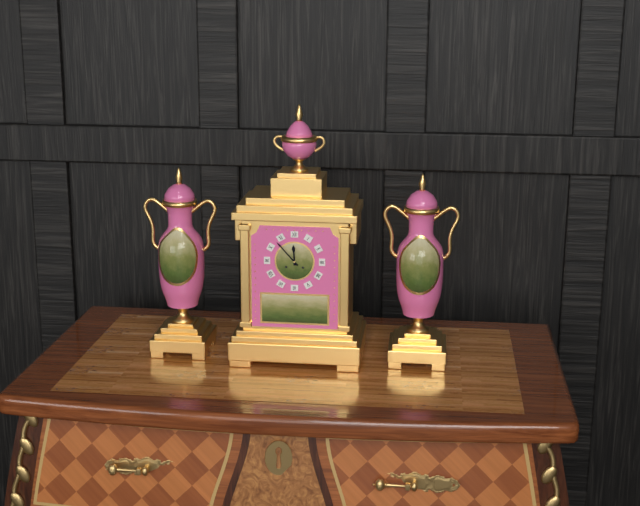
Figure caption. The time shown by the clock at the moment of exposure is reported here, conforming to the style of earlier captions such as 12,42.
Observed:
11,53
